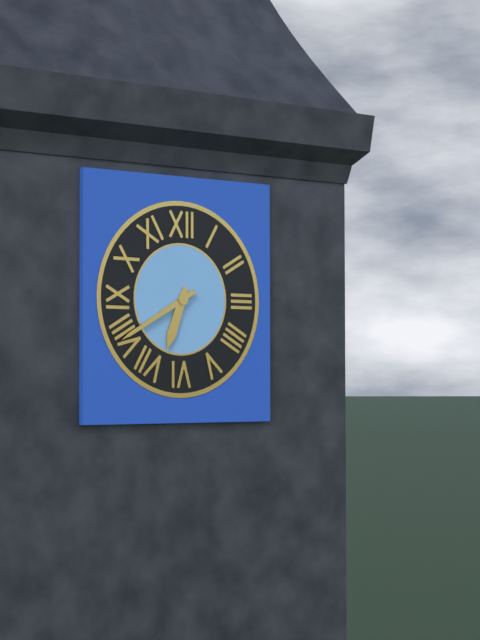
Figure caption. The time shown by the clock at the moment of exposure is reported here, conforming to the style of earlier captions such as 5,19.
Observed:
6,40
